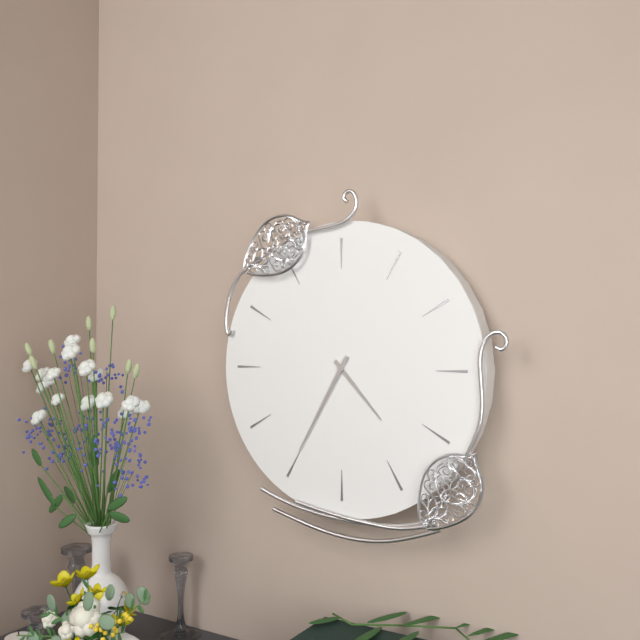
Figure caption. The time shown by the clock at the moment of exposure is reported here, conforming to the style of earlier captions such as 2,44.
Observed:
4,35
